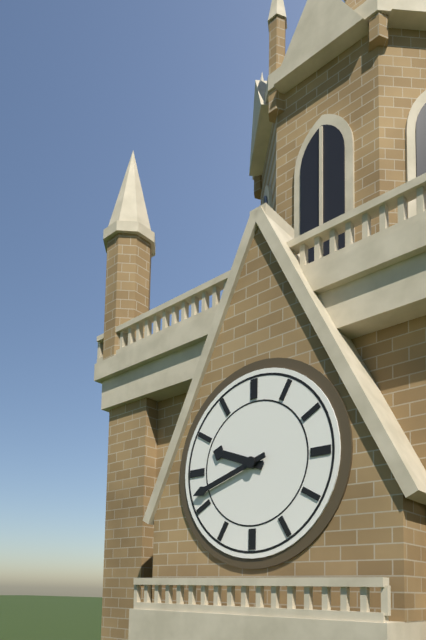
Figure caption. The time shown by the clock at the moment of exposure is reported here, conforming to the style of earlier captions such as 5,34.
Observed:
9,42
